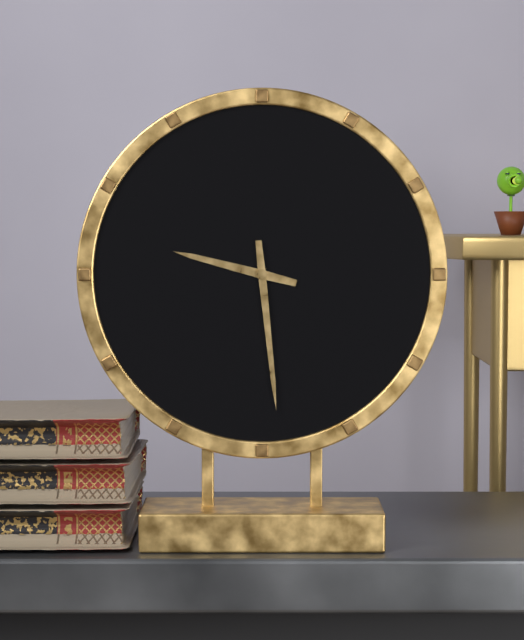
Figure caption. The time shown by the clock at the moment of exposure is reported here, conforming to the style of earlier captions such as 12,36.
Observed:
9,29
